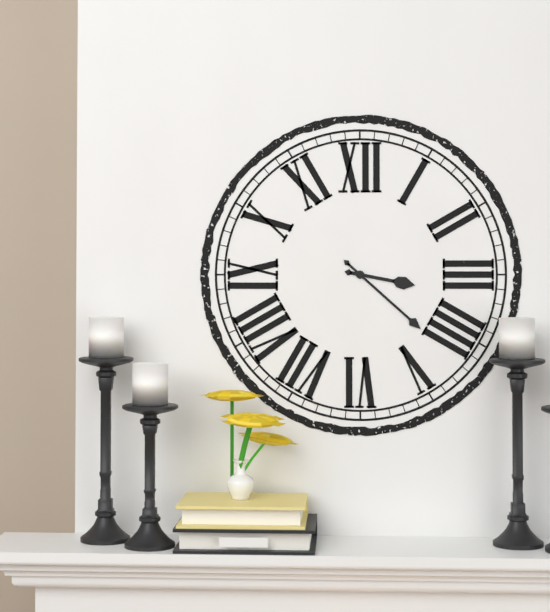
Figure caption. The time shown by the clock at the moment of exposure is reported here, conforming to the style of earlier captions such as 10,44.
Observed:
3,22
